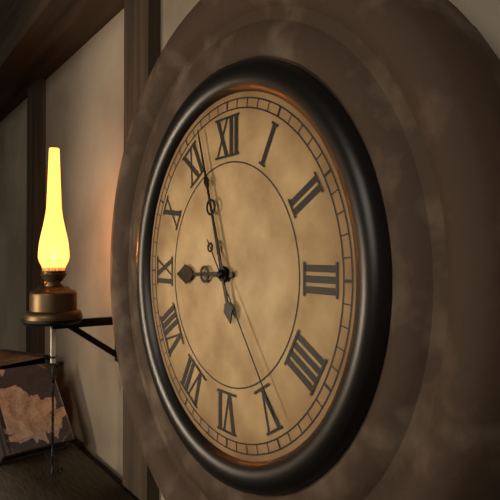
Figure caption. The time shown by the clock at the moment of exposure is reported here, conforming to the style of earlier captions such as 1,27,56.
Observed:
8,57,24
